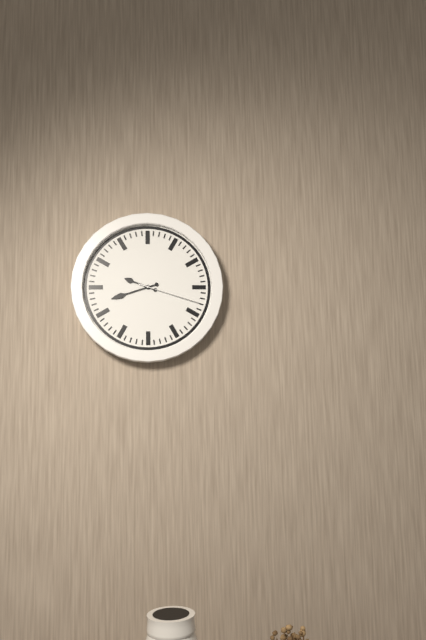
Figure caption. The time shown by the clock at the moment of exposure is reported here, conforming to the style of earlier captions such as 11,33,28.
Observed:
9,42,18
